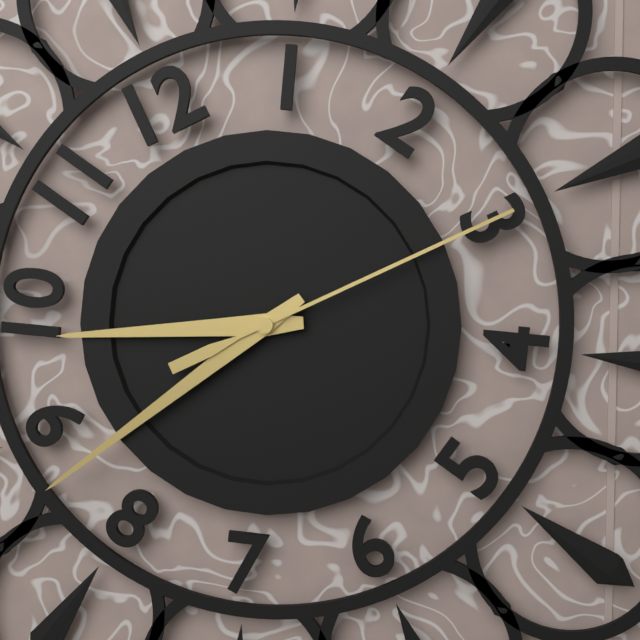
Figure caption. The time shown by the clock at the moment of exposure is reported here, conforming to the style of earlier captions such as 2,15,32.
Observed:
9,43,15
